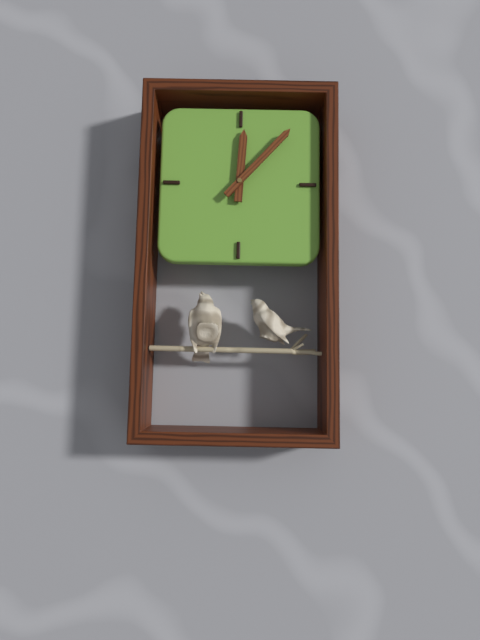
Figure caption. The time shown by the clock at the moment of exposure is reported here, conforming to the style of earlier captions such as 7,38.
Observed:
12,07
